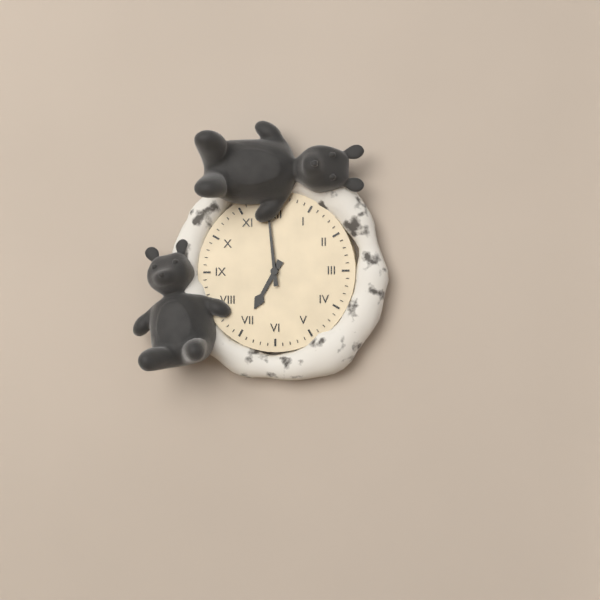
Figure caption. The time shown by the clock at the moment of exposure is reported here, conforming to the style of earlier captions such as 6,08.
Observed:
6,59
